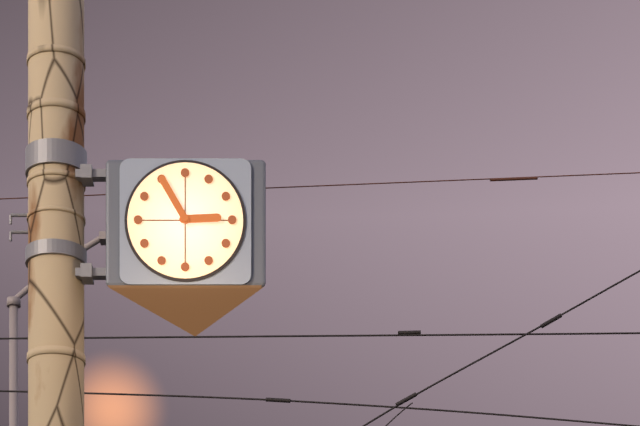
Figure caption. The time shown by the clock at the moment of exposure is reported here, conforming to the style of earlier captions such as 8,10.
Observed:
2,55
